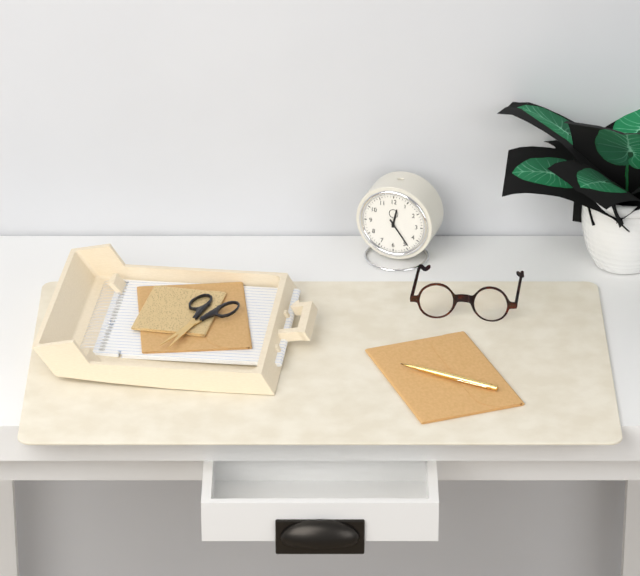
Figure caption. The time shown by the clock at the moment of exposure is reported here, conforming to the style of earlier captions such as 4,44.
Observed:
12,24
